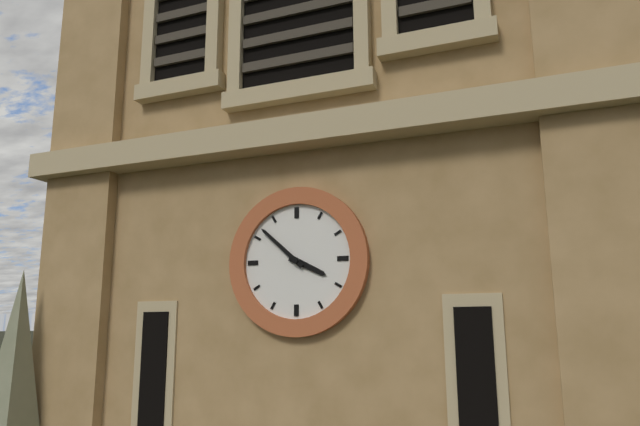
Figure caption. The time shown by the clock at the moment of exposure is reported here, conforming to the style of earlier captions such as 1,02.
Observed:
3,52
